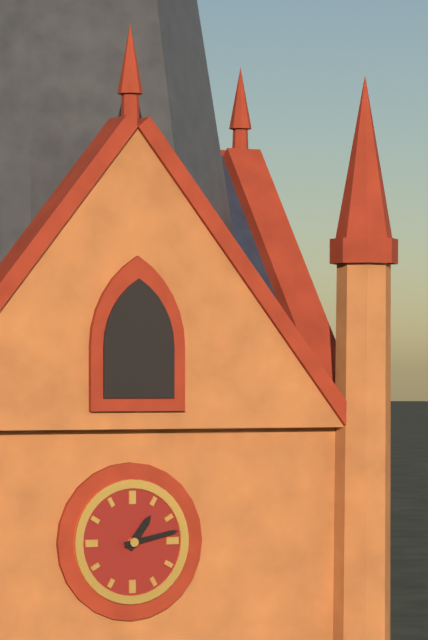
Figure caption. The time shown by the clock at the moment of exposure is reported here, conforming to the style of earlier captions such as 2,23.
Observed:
1,13
